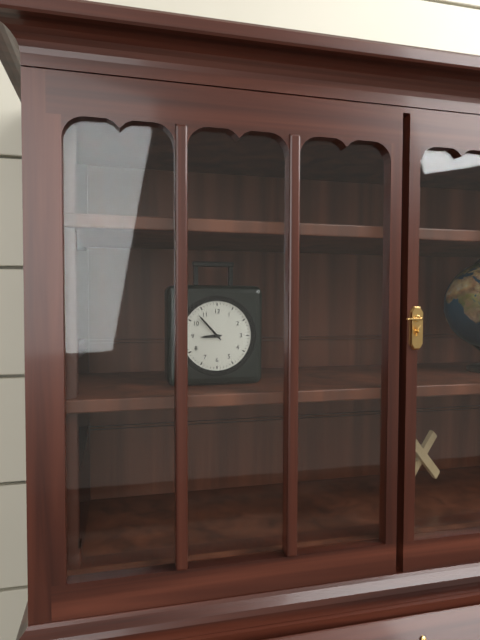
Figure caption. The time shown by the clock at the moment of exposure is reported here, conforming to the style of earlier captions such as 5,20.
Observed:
8,53
